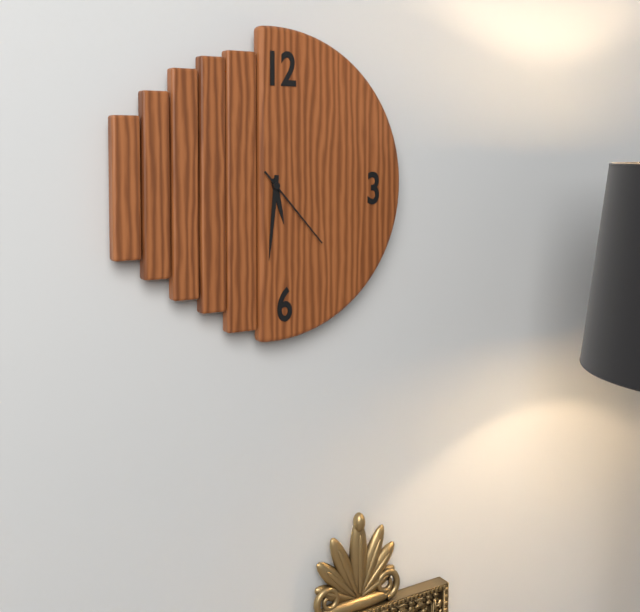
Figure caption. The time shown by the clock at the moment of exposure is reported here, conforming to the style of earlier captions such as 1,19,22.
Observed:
5,31,23
